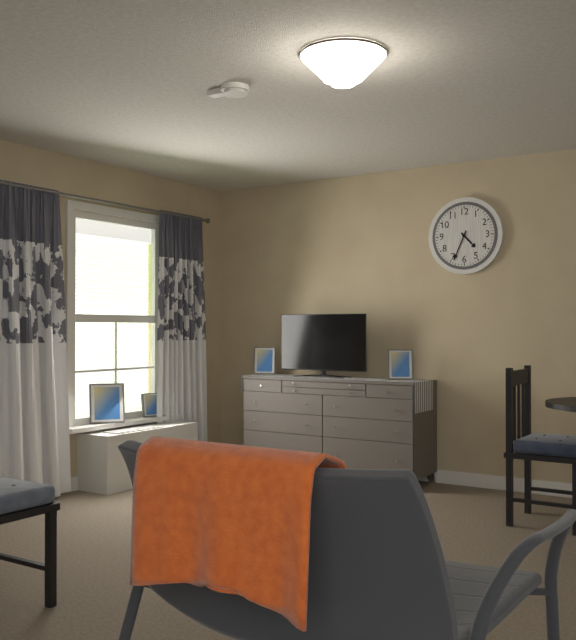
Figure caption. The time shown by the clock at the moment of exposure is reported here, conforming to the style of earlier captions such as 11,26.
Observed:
4,34
